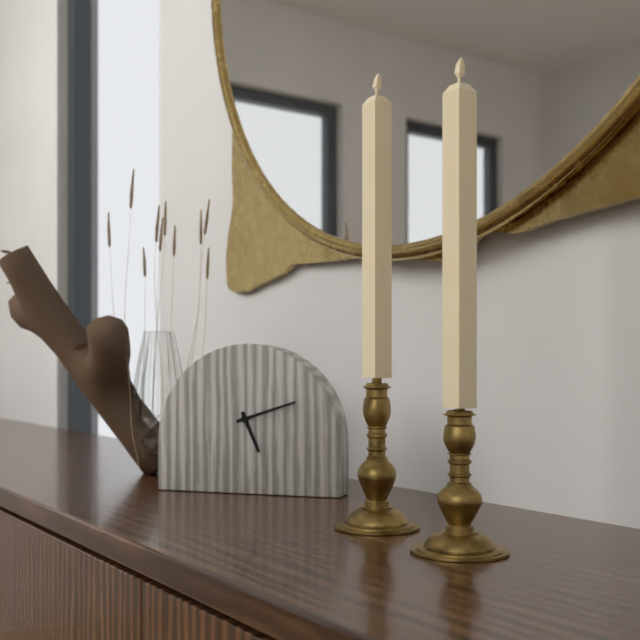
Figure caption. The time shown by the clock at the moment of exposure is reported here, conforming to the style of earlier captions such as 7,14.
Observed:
5,12
